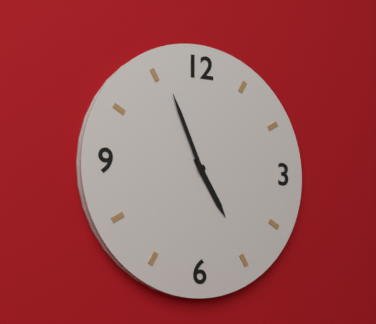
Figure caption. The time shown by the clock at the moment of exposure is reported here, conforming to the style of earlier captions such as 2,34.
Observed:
4,56
